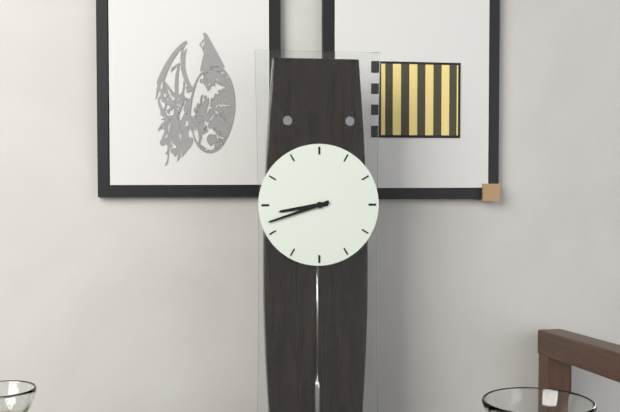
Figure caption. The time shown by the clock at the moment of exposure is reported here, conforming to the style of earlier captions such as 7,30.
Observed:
8,42
